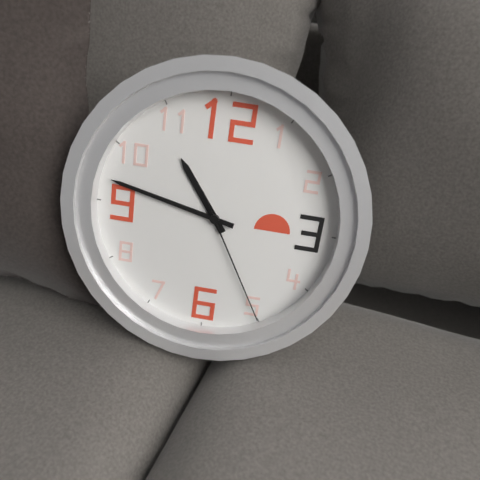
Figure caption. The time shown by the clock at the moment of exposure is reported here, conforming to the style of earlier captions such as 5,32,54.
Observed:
10,47,25
